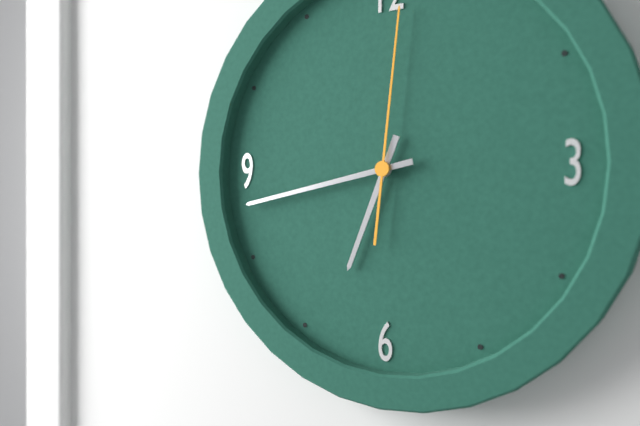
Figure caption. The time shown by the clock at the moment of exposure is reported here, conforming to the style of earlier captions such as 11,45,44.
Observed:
6,43,01
